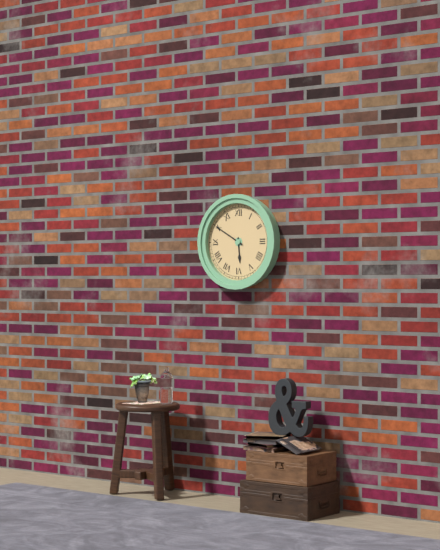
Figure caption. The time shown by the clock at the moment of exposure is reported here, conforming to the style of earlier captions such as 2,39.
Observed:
5,50
